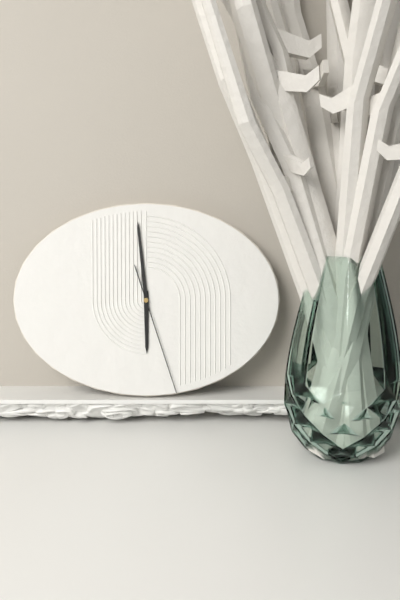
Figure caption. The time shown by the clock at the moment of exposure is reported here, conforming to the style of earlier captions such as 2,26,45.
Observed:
5,59,27
